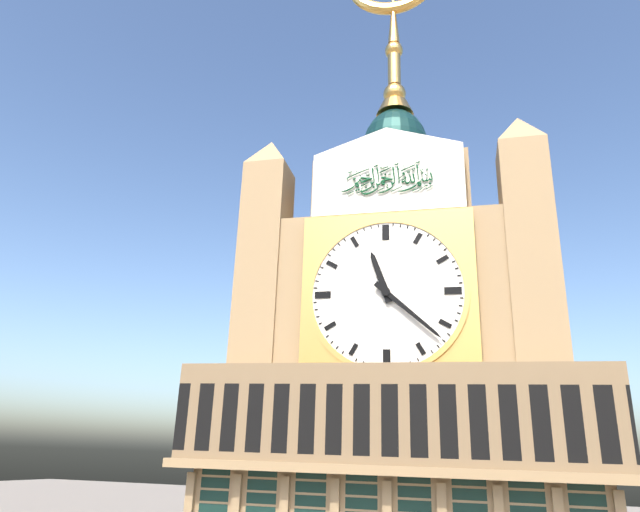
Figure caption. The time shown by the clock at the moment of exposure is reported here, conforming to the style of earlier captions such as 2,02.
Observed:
11,22
